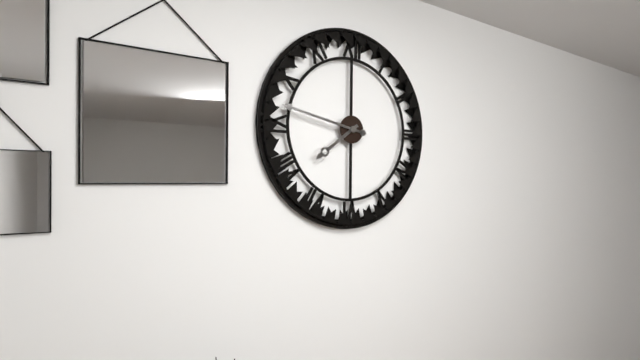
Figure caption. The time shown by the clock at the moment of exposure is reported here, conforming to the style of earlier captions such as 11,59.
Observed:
7,47
